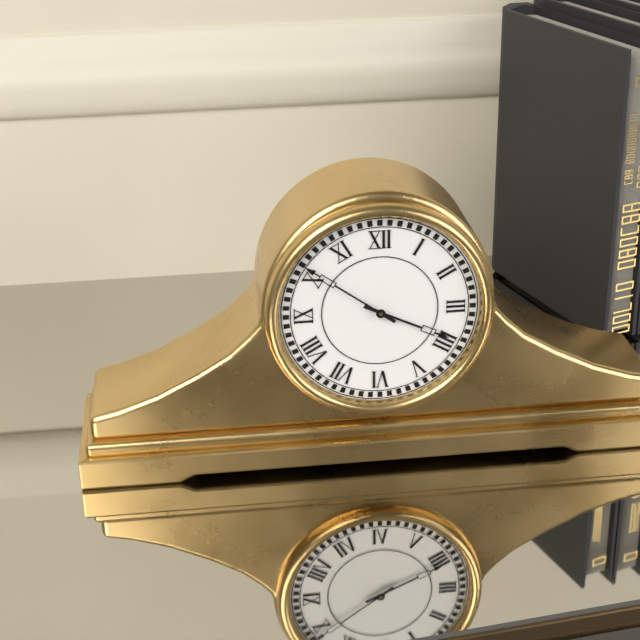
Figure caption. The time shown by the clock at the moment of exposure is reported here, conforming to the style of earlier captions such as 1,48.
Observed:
3,51
